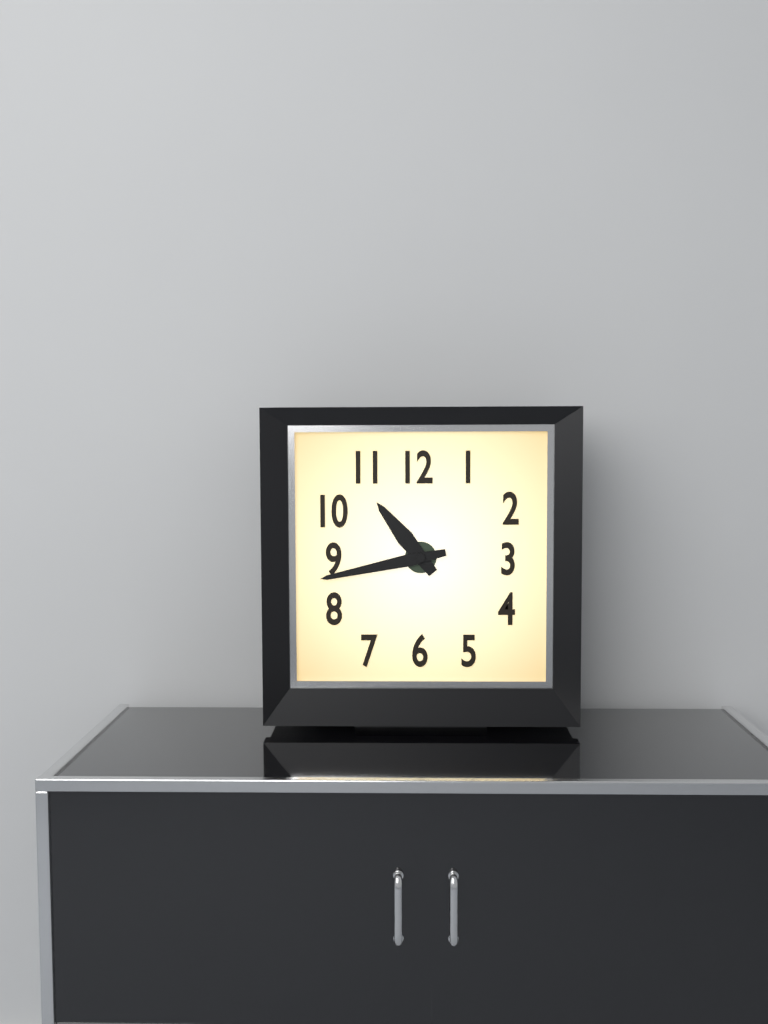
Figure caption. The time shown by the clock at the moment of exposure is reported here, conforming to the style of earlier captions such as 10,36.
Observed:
10,43
